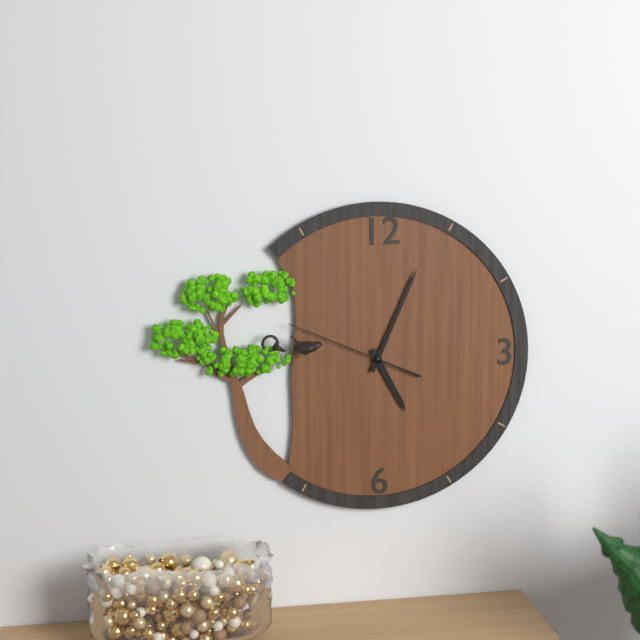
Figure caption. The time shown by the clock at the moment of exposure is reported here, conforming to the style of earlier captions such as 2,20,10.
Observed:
5,04,49
